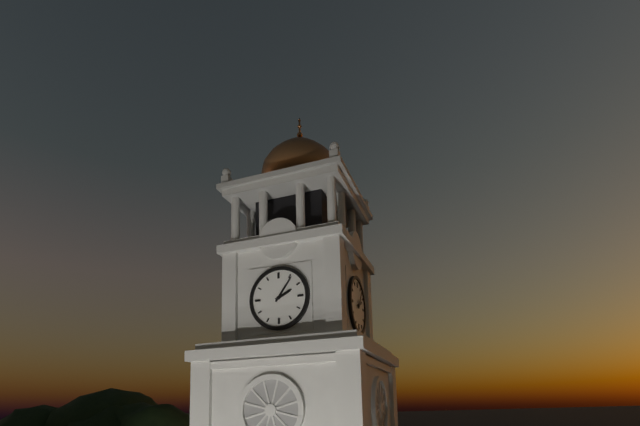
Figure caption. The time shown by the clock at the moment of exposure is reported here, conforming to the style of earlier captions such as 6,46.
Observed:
2,06
